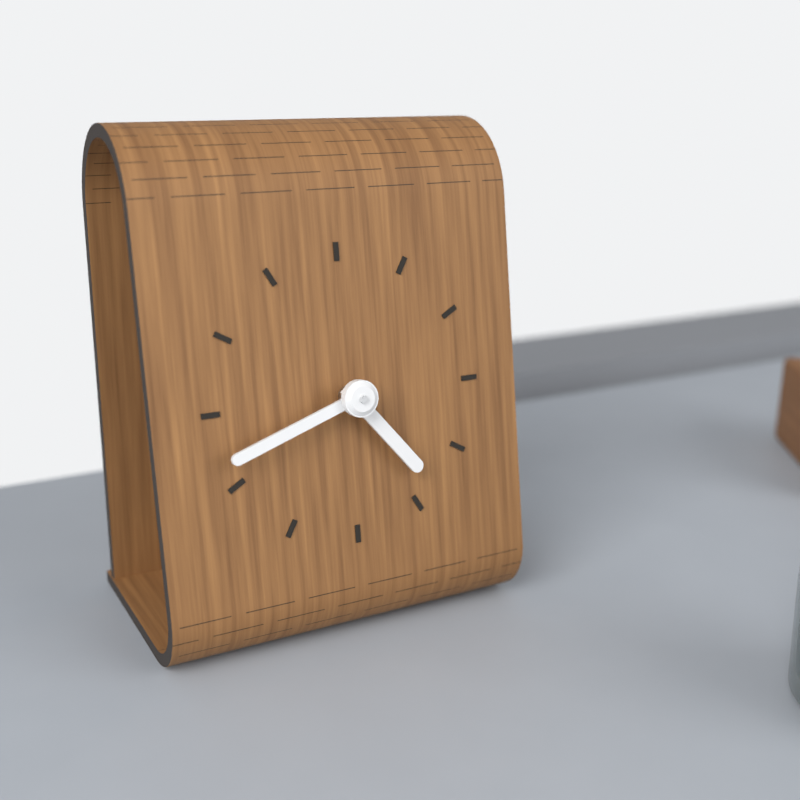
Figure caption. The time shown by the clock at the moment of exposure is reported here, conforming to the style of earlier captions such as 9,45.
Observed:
4,42
